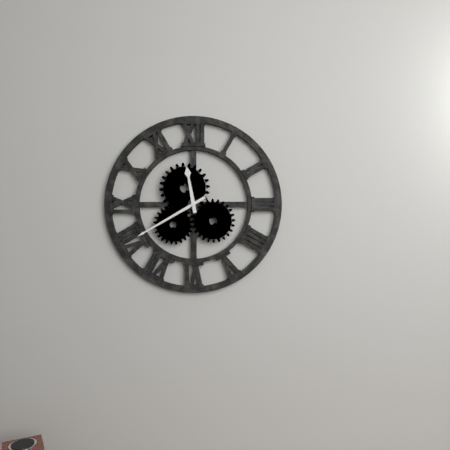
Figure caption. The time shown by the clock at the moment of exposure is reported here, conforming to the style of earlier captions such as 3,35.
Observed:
11,40
